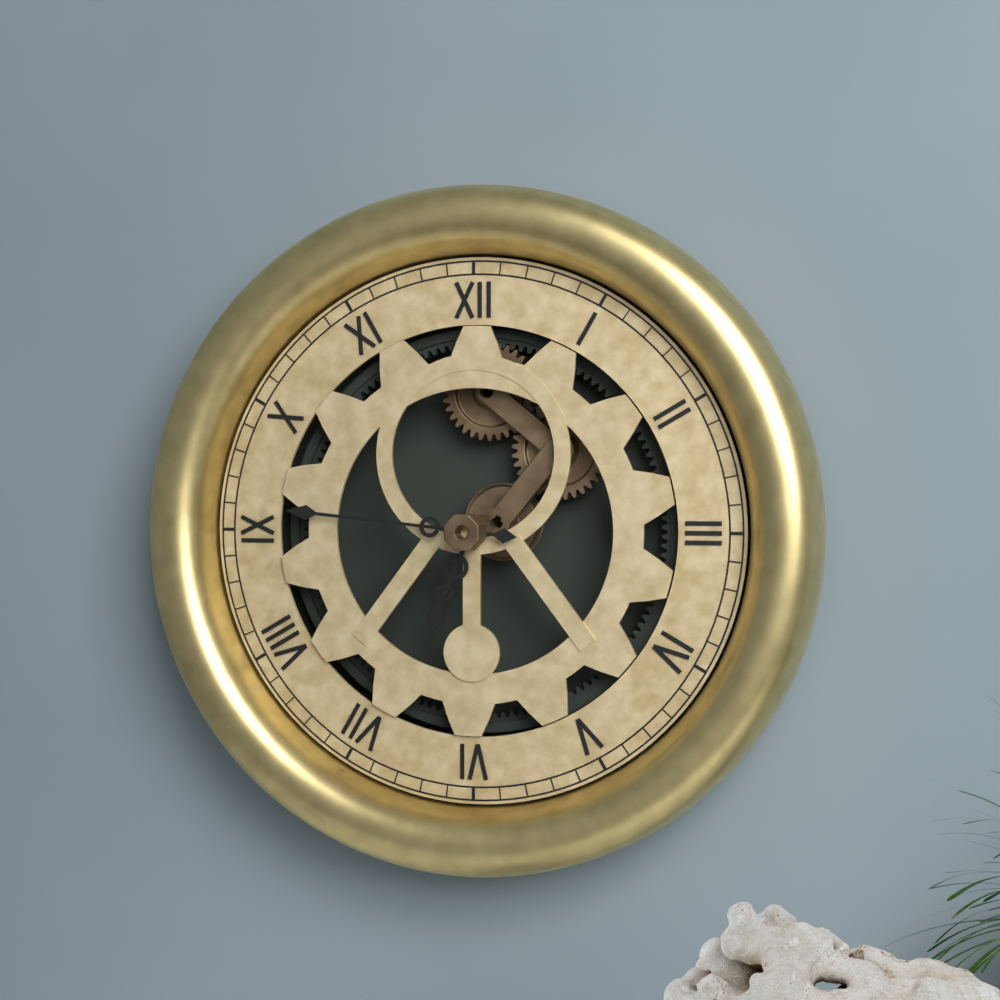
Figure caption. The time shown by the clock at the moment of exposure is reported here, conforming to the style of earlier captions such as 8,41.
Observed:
6,46
